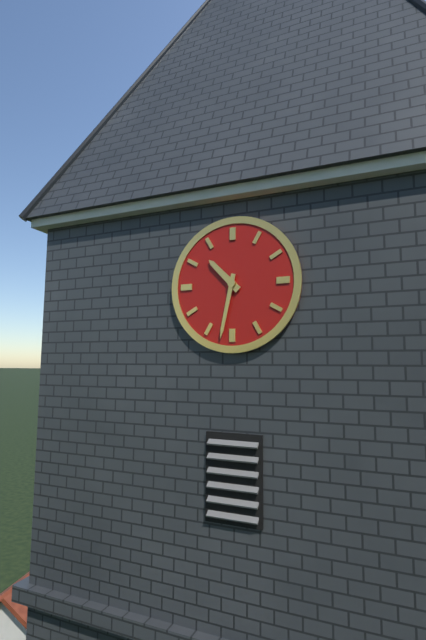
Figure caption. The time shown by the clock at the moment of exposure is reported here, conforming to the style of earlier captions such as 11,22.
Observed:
10,32
